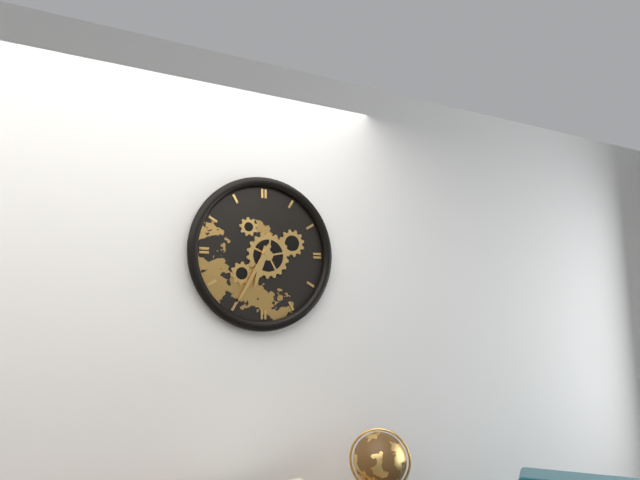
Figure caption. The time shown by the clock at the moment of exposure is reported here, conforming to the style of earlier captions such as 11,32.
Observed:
6,35
